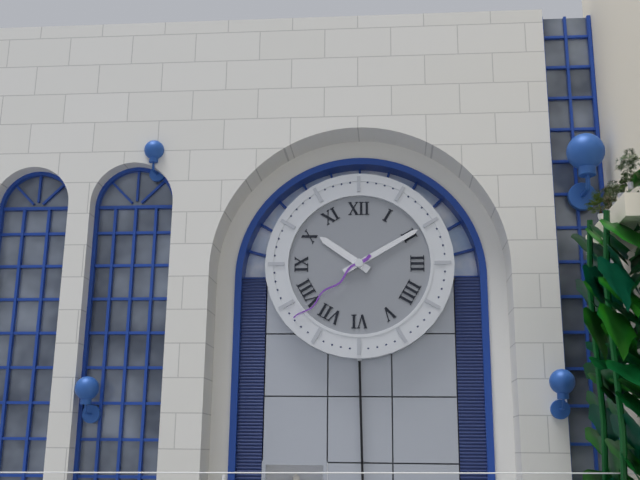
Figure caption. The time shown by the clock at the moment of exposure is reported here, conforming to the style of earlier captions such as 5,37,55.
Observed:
10,10,38
